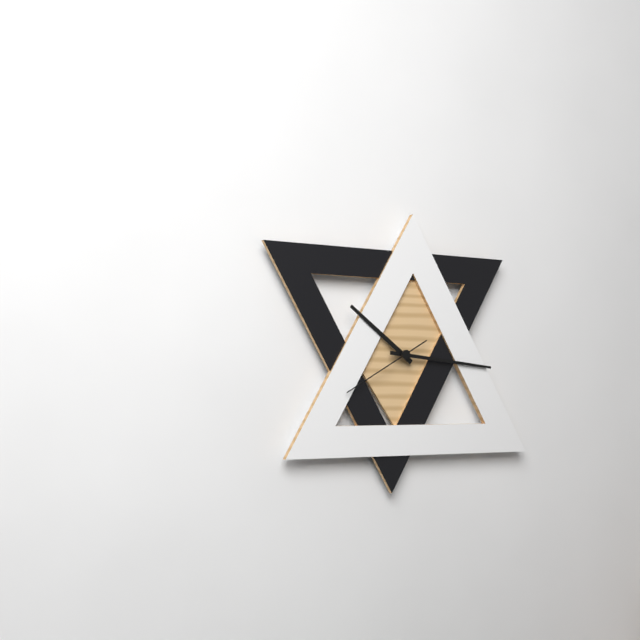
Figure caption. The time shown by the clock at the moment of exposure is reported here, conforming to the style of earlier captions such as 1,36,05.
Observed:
10,16,40
